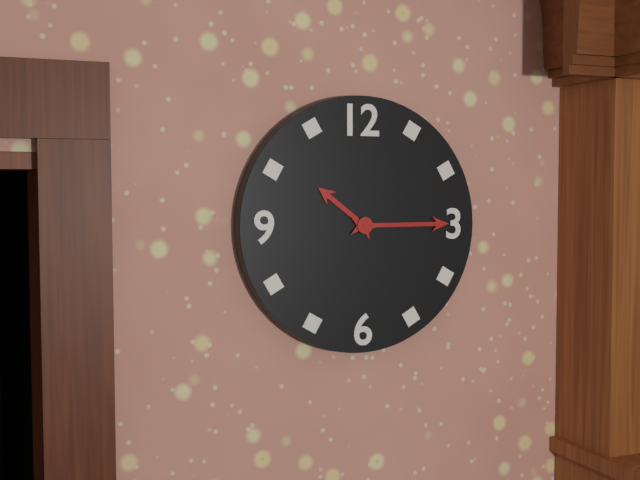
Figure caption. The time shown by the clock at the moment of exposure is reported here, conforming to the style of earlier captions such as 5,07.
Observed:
10,15
